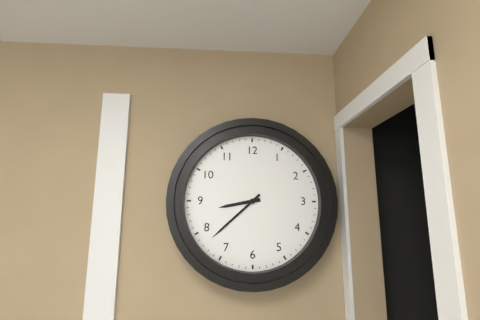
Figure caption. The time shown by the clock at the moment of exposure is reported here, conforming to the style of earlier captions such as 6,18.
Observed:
8,38
